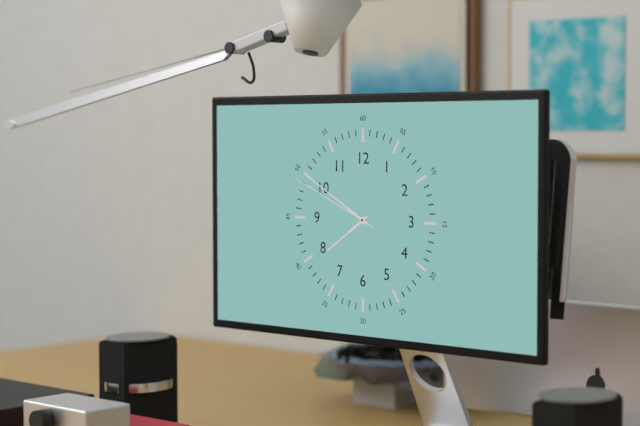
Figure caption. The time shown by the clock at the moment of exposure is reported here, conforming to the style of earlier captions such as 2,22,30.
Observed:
7,50,49
